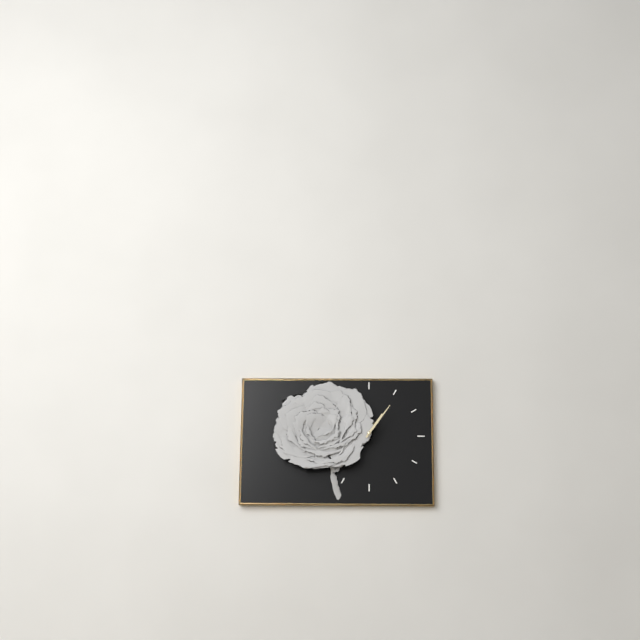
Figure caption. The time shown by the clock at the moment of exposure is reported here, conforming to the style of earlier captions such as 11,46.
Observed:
1,06
